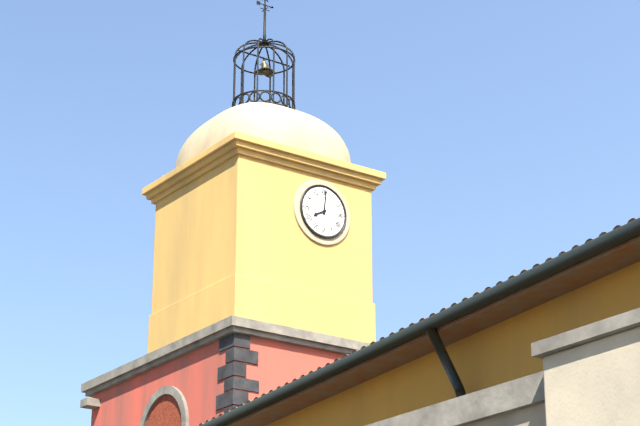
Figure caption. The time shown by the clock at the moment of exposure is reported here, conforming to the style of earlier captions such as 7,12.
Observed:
8,01
